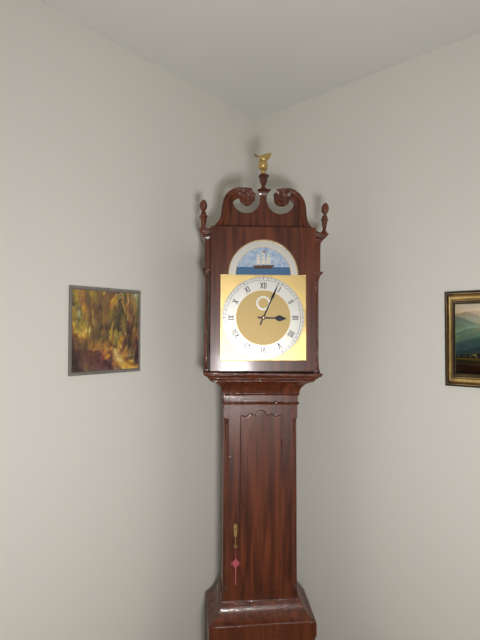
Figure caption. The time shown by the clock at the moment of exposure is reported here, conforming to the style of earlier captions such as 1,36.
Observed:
3,04
